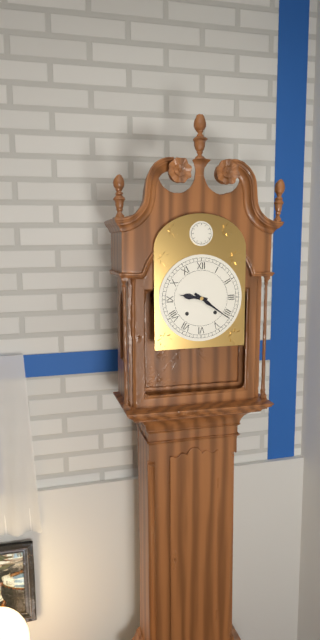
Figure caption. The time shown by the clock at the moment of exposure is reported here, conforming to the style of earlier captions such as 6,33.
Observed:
9,21
